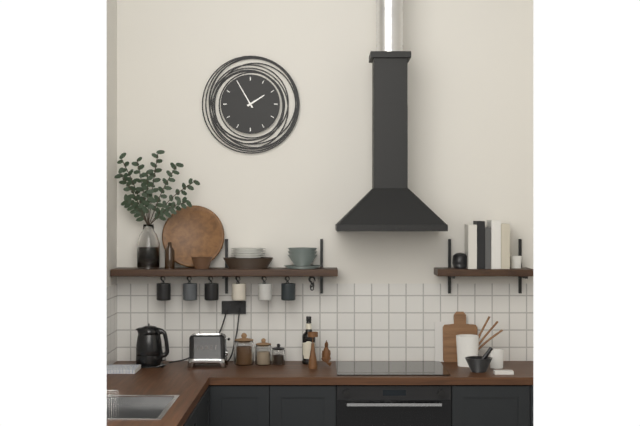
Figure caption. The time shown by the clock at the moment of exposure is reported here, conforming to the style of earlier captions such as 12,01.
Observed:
1,55
